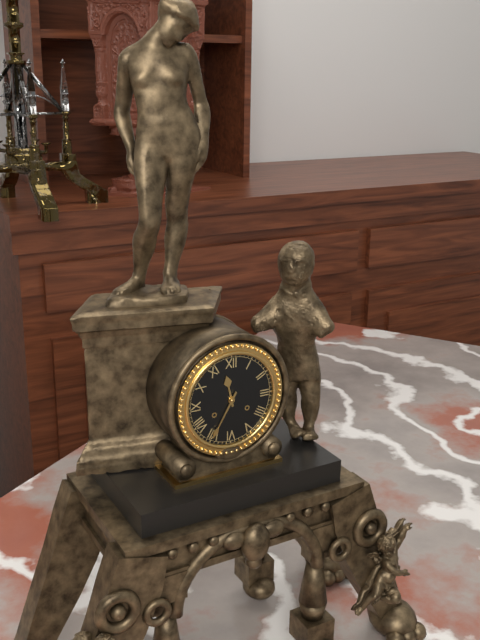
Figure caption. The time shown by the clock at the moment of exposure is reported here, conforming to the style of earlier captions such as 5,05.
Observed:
11,35
